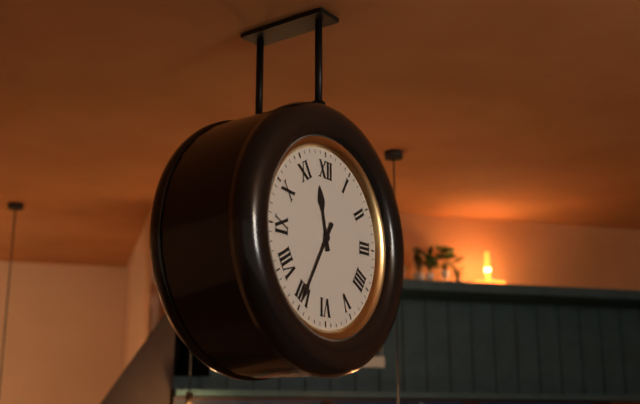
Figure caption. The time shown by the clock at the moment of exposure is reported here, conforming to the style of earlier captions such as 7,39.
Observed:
11,35
